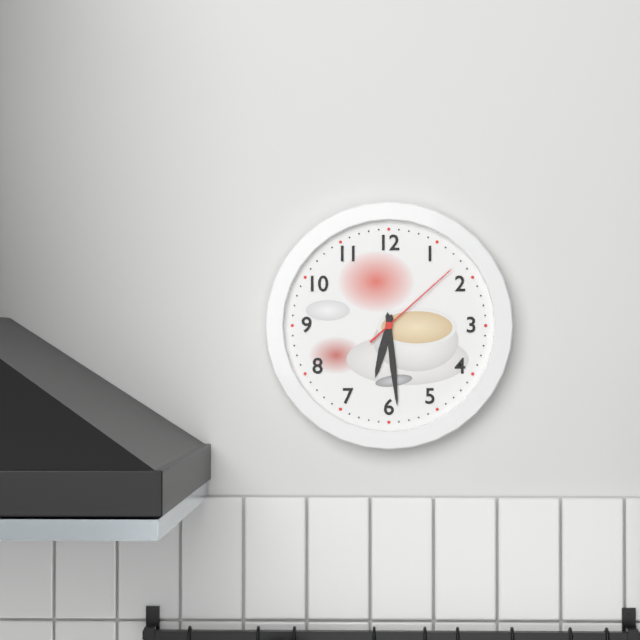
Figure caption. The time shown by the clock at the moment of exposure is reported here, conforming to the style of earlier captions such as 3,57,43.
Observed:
6,29,08
